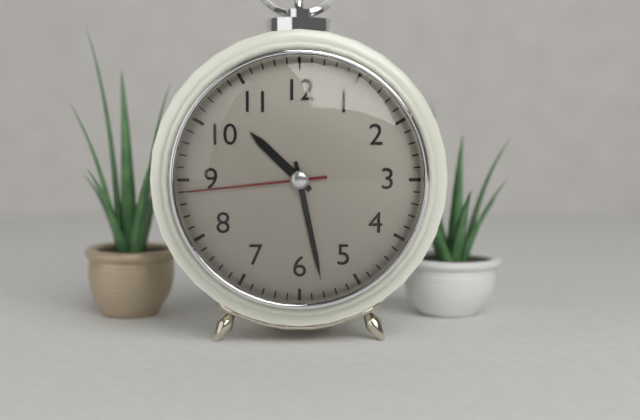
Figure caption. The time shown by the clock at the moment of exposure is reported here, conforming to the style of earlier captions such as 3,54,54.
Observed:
10,28,44
